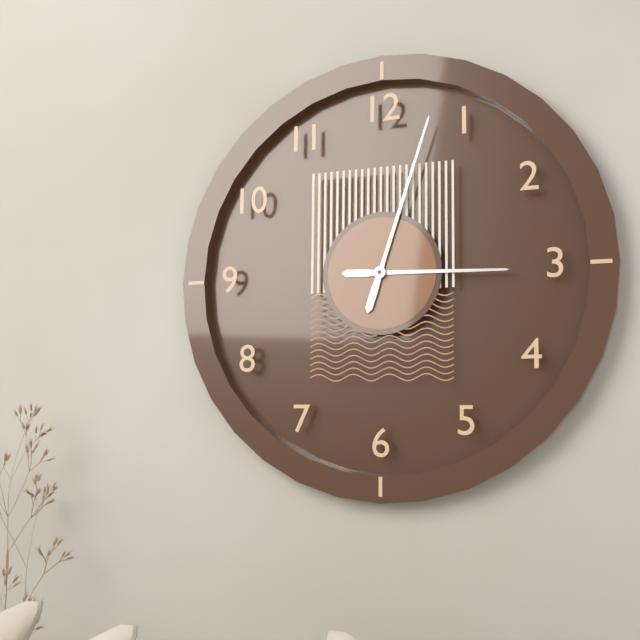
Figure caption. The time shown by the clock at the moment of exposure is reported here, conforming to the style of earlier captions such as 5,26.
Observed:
3,03
